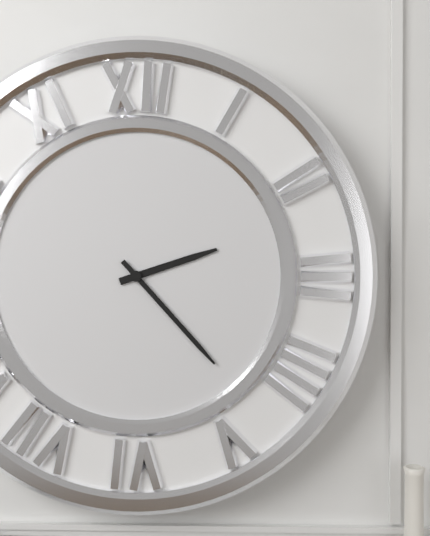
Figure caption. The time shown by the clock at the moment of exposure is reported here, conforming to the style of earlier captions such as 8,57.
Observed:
2,23
